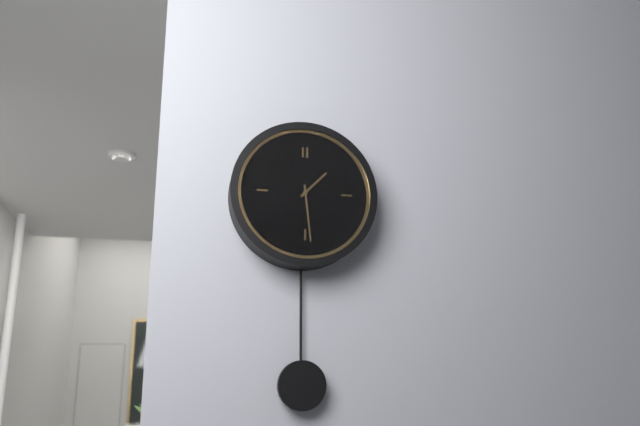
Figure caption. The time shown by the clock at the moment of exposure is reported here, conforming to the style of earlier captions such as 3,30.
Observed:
1,29
